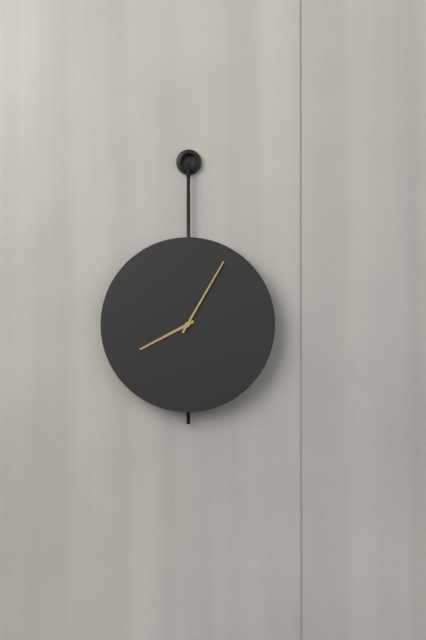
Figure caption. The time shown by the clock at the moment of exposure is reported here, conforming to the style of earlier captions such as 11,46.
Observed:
8,05
